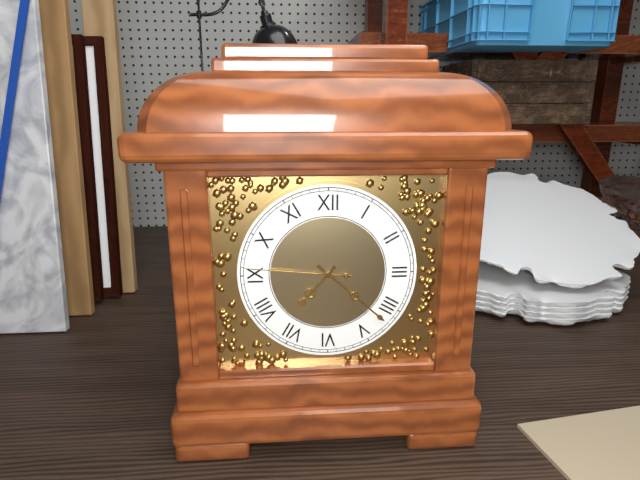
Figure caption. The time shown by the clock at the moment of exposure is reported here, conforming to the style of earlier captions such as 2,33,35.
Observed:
7,22,46
